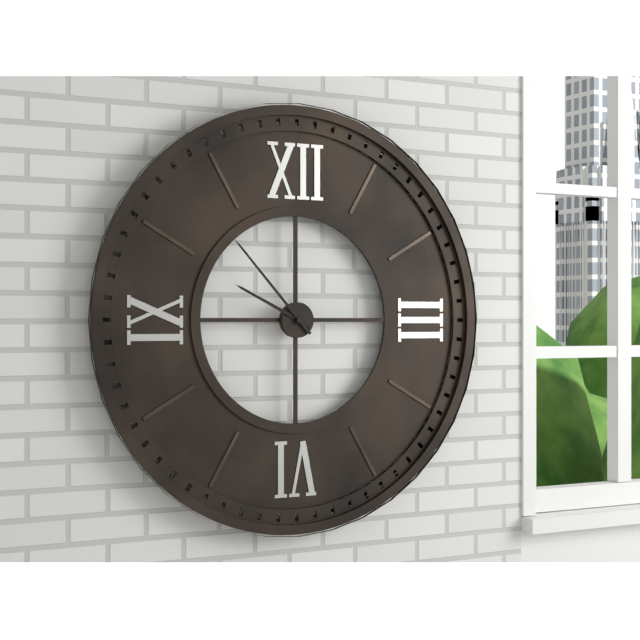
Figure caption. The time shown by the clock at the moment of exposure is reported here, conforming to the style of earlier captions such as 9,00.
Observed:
9,53
